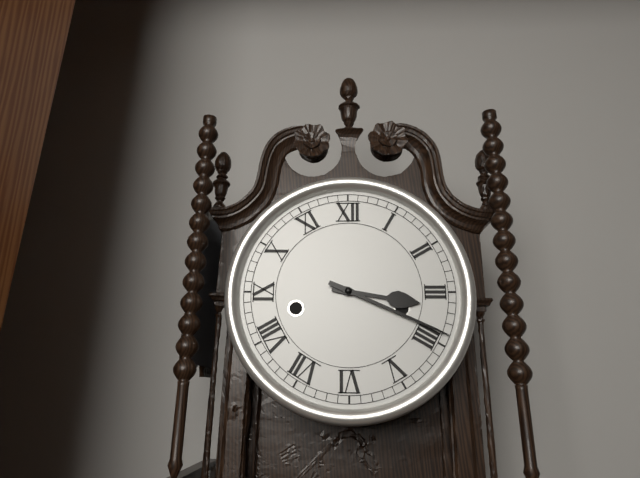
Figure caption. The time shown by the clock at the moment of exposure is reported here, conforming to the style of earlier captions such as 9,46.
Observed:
3,19
